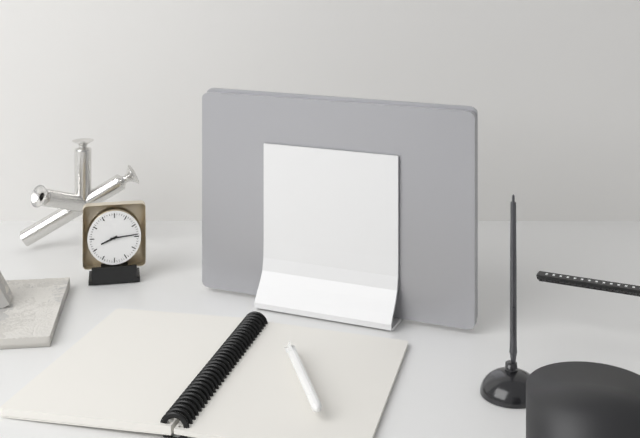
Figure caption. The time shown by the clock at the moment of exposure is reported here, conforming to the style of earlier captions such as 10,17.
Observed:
8,14
